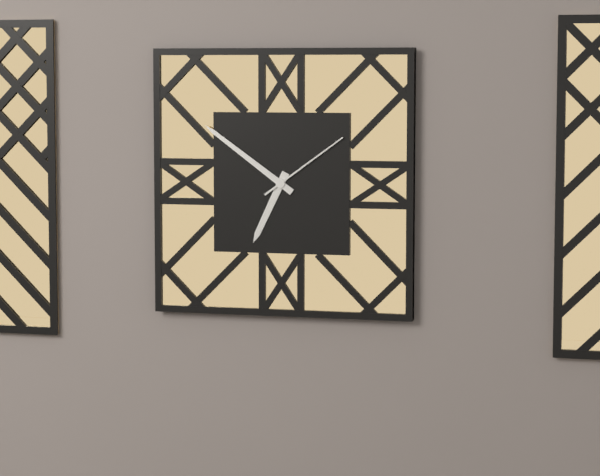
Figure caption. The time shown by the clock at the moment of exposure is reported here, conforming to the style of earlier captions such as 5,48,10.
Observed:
6,51,09
